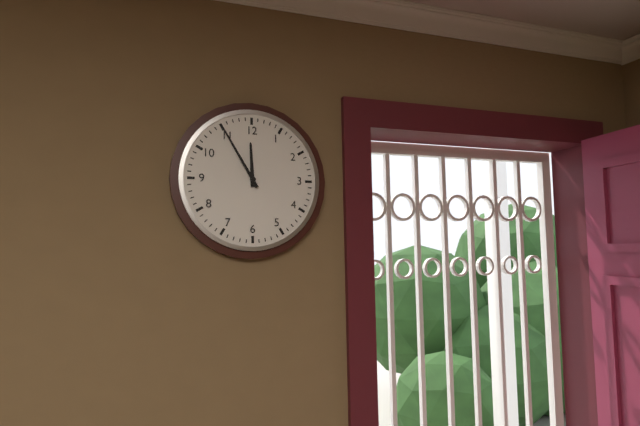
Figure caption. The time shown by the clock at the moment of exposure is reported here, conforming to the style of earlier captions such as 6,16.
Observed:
11,55
